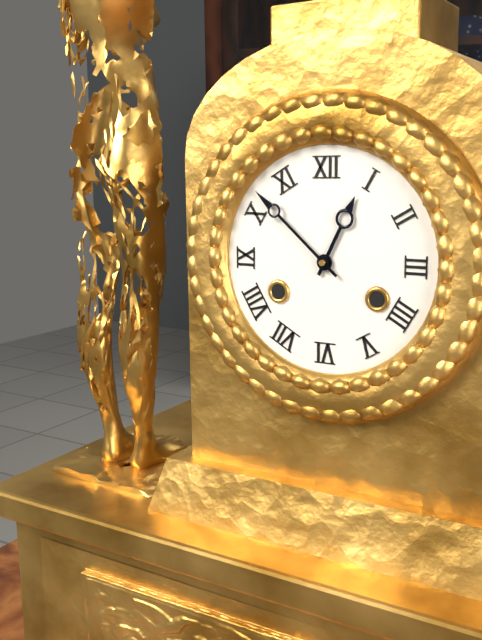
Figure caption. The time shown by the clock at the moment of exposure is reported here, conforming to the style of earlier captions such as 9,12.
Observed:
12,52
